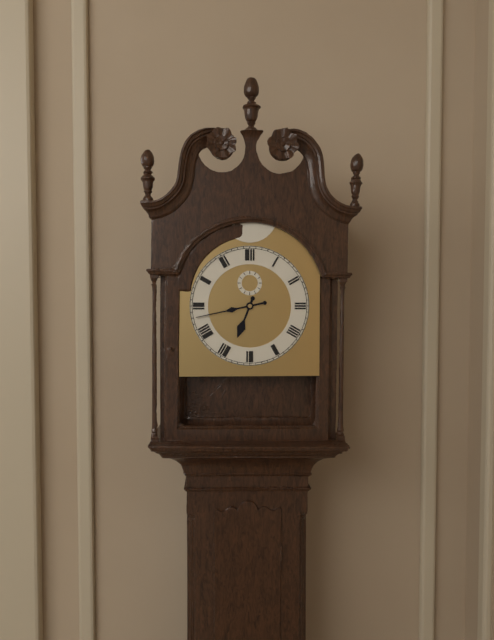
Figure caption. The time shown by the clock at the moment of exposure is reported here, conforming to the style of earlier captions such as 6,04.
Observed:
6,43
